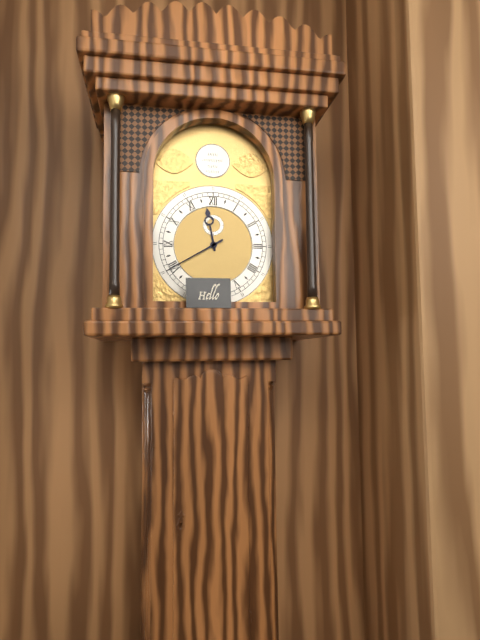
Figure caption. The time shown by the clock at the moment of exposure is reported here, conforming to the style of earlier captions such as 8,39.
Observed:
11,40
